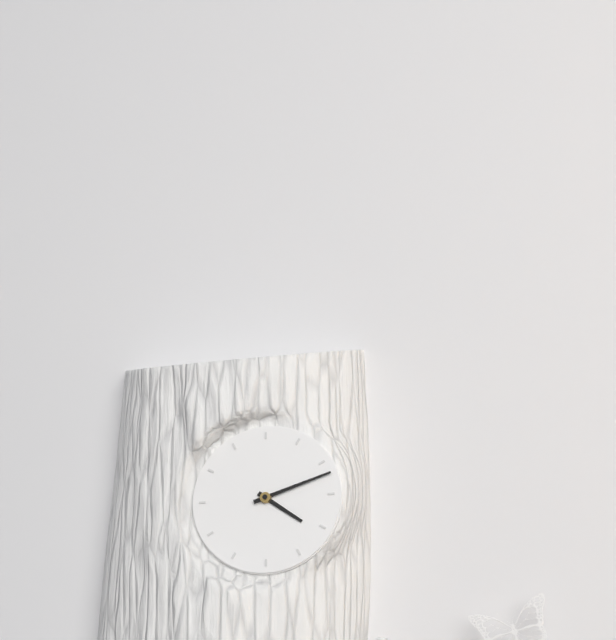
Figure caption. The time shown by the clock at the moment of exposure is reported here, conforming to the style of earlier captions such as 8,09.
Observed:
4,12
